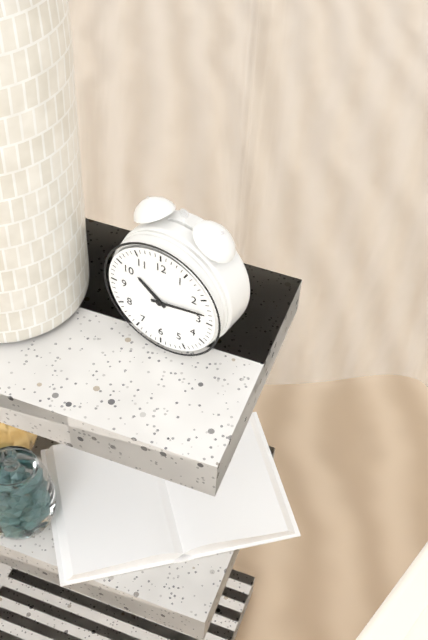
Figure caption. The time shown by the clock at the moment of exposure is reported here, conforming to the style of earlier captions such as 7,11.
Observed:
10,13
